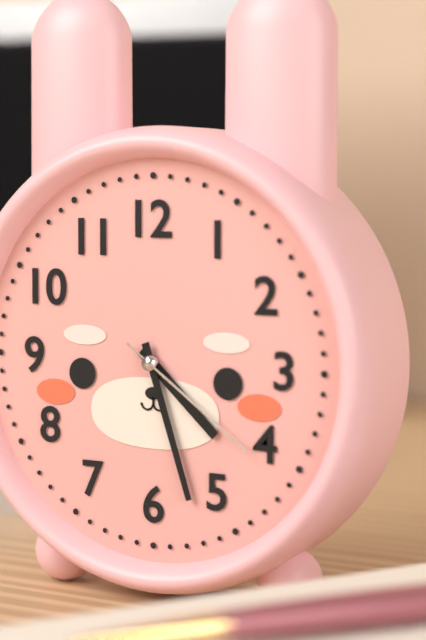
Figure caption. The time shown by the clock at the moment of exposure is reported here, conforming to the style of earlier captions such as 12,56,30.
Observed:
4,27,21
